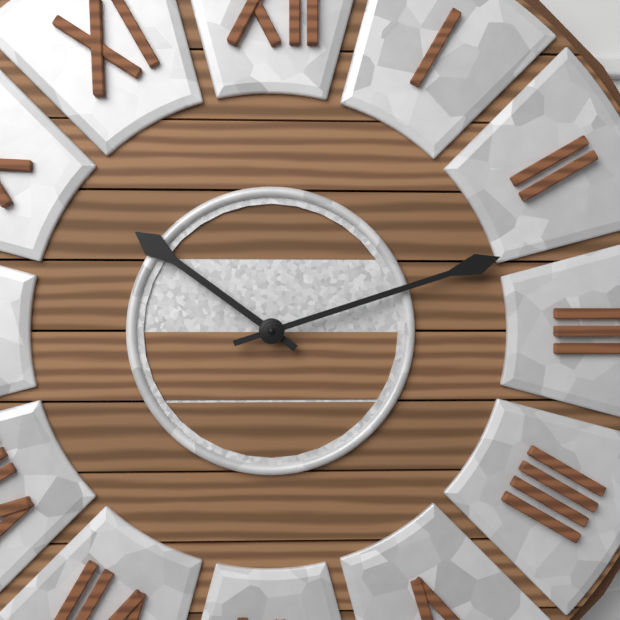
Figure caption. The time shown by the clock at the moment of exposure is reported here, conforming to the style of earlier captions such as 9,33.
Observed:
10,12
